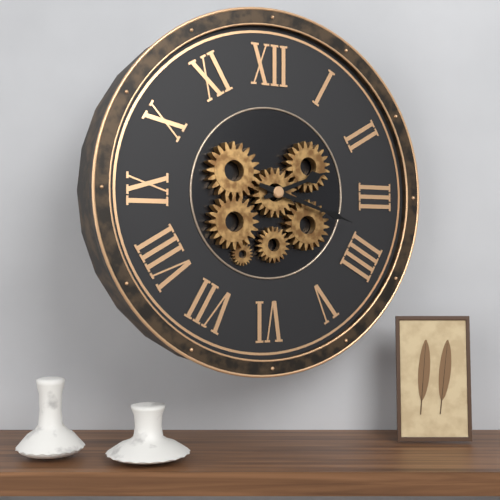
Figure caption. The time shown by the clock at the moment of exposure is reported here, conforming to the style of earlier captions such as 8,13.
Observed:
2,18
